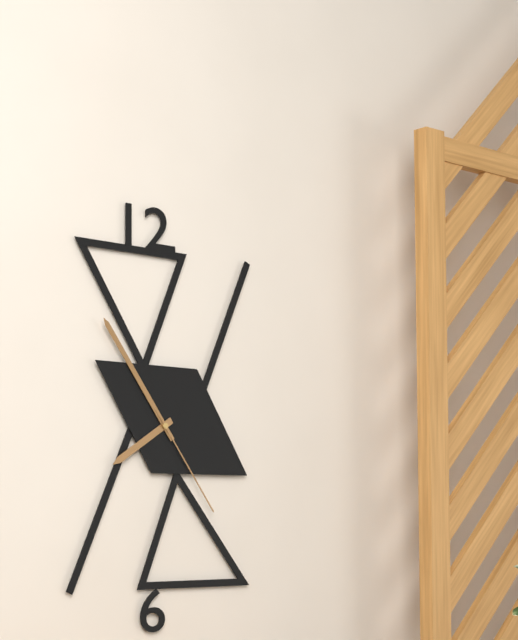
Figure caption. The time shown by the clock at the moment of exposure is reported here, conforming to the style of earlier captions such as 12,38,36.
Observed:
7,54,24
